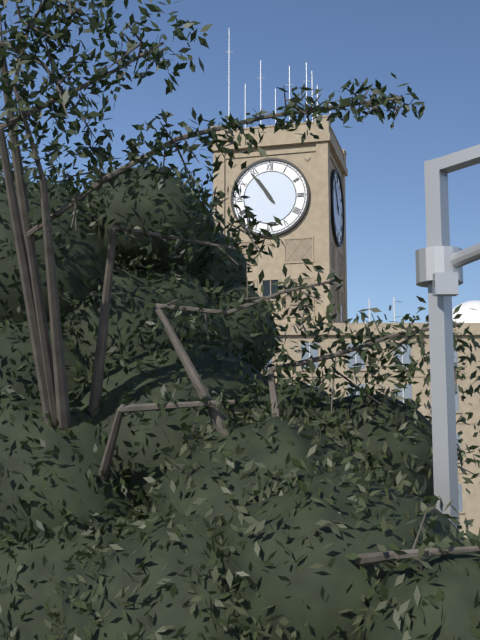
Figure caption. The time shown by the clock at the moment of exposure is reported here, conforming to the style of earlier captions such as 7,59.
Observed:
10,54
